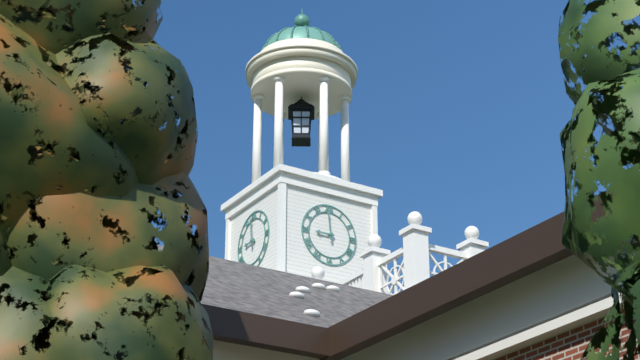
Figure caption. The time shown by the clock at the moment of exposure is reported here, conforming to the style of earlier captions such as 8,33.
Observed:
8,59
